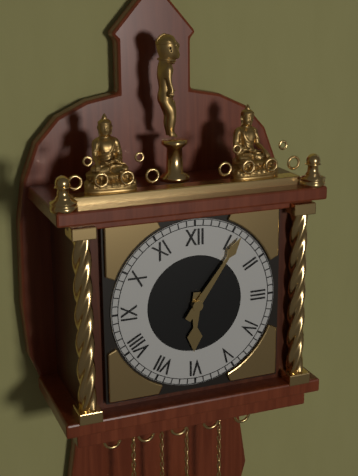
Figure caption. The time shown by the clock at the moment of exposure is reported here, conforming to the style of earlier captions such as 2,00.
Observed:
6,06
